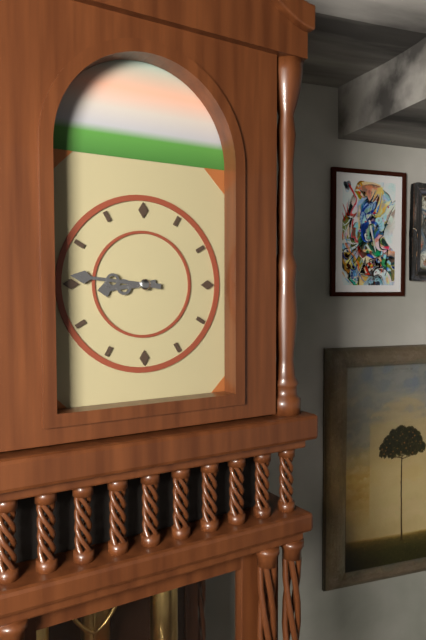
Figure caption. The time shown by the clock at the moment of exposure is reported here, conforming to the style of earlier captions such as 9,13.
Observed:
8,46
